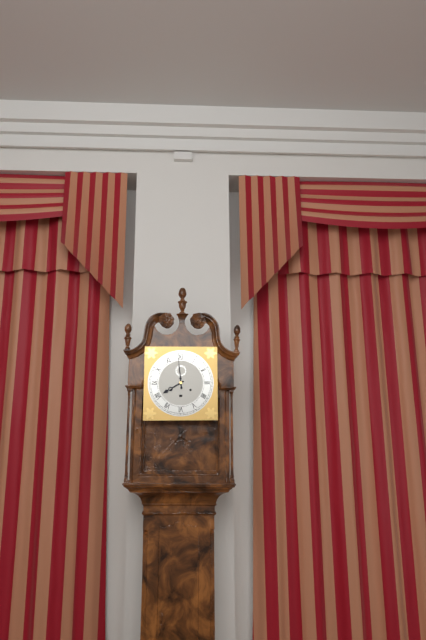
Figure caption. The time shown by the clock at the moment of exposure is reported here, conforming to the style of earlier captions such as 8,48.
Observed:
7,59
